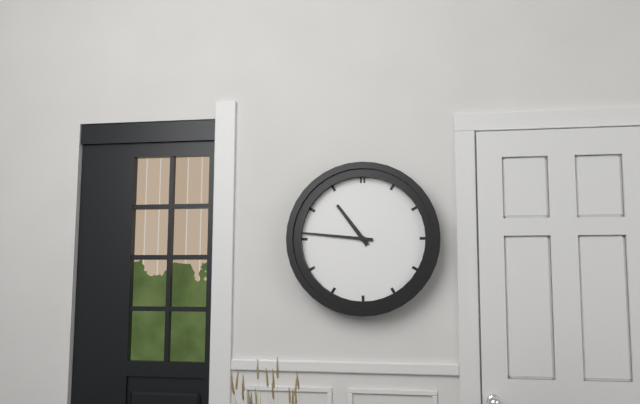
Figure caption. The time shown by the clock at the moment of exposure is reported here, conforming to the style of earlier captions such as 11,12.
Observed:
10,46
